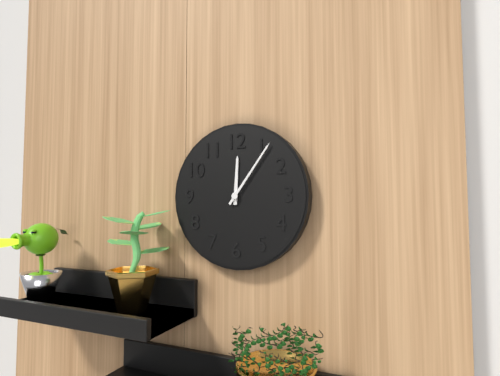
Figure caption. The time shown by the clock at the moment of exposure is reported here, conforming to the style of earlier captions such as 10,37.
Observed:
12,06
